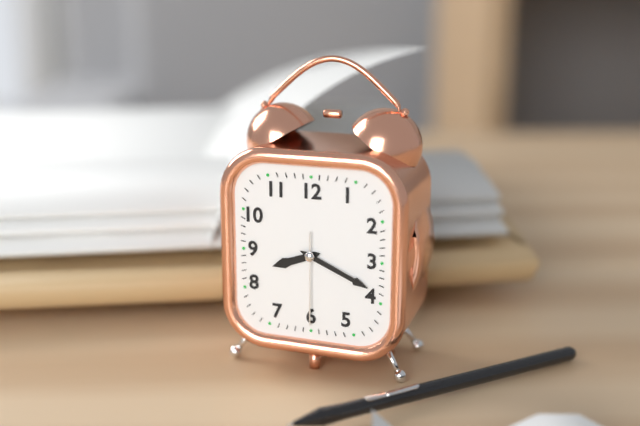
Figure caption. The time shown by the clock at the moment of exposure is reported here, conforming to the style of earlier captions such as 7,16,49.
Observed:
8,19,30
